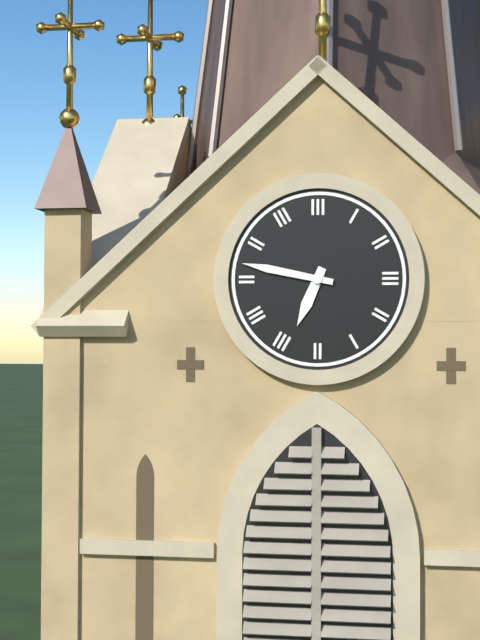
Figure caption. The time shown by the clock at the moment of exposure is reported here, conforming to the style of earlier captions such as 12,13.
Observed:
6,47
